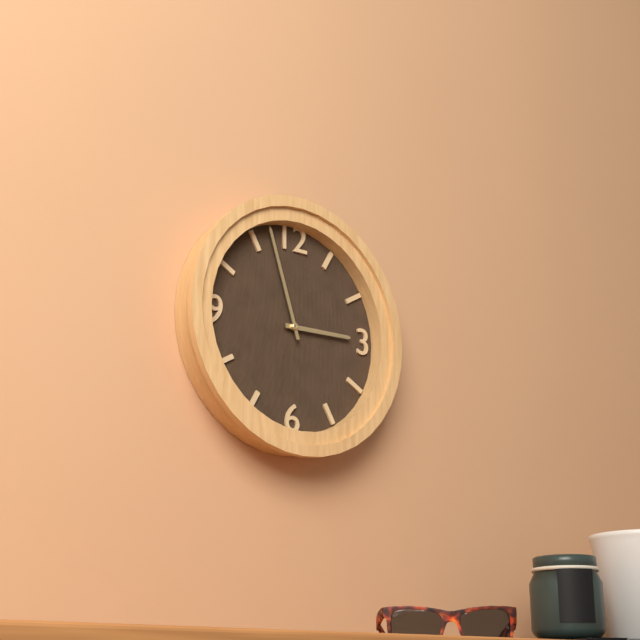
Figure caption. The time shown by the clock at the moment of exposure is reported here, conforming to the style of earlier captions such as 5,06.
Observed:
2,57
